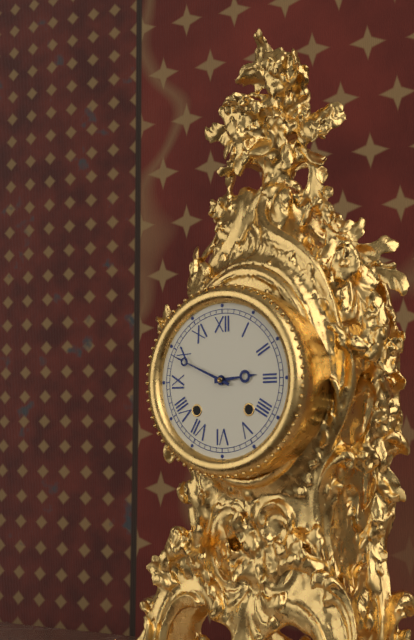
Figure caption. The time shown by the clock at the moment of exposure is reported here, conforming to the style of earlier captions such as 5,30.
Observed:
2,49
